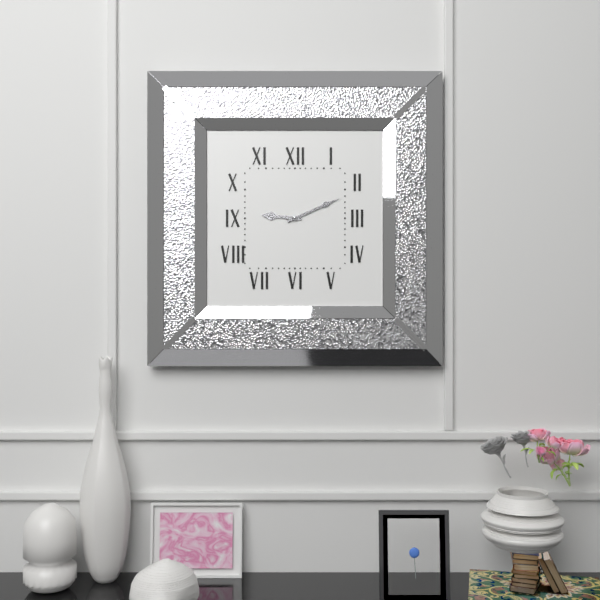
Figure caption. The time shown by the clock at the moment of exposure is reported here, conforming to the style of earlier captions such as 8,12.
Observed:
9,11
